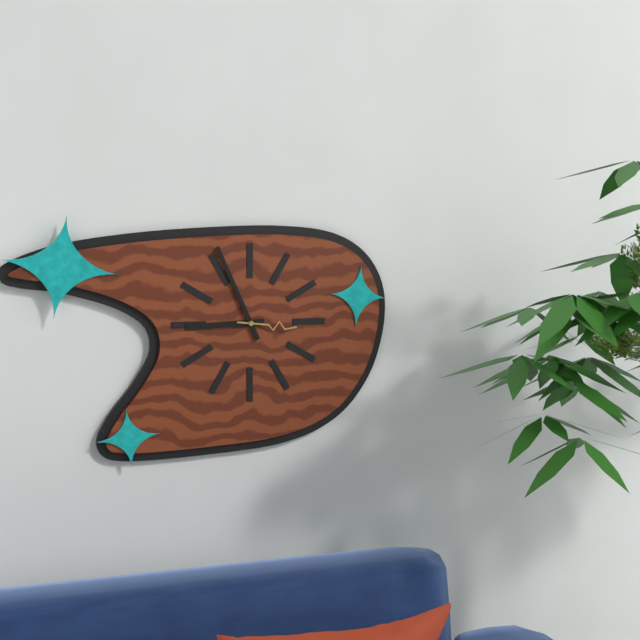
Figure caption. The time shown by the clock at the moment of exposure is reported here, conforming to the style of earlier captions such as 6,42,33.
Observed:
8,56,16
